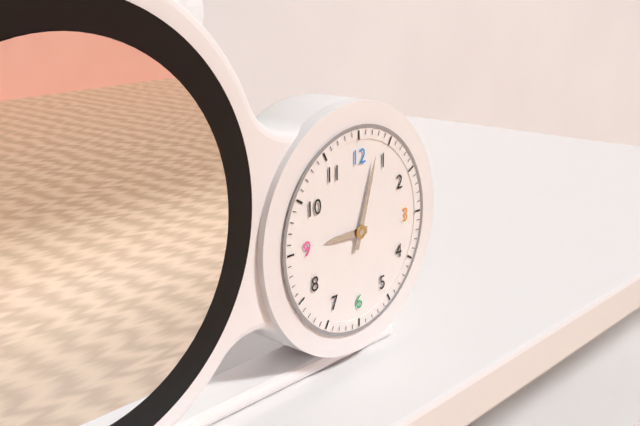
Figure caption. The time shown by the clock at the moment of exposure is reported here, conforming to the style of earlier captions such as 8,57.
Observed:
9,03
